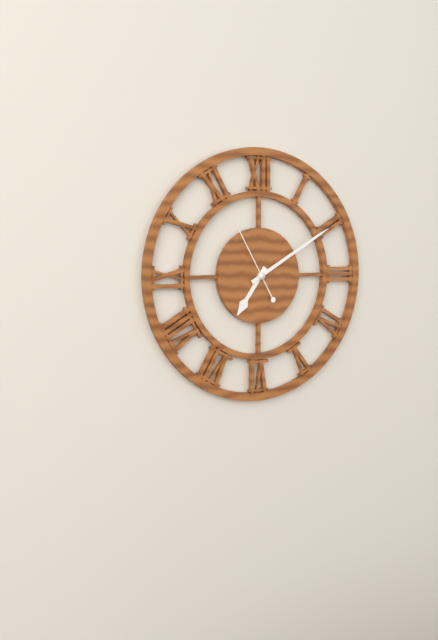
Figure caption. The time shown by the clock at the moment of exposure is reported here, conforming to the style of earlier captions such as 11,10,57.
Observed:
7,10,55
